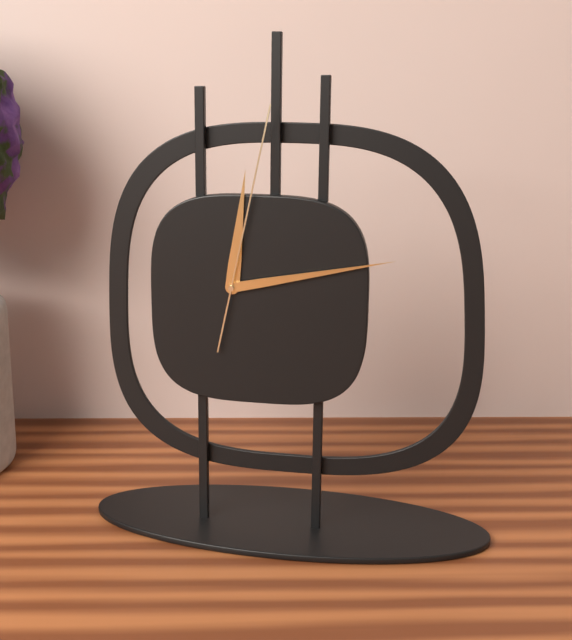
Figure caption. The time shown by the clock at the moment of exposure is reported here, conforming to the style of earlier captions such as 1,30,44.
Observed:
12,13,02
